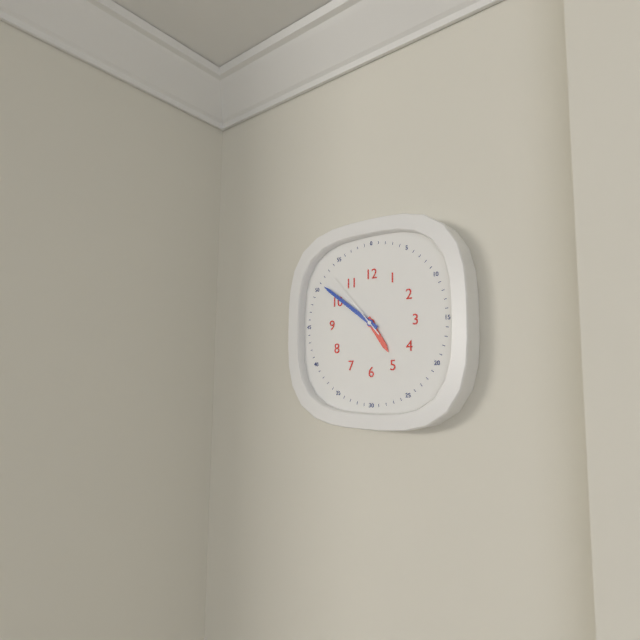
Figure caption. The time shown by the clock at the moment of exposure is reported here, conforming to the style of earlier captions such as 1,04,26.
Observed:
4,51,53
